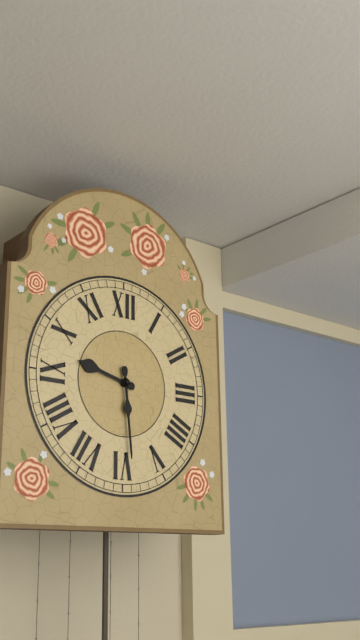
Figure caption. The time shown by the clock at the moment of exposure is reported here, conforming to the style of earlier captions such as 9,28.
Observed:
9,29
